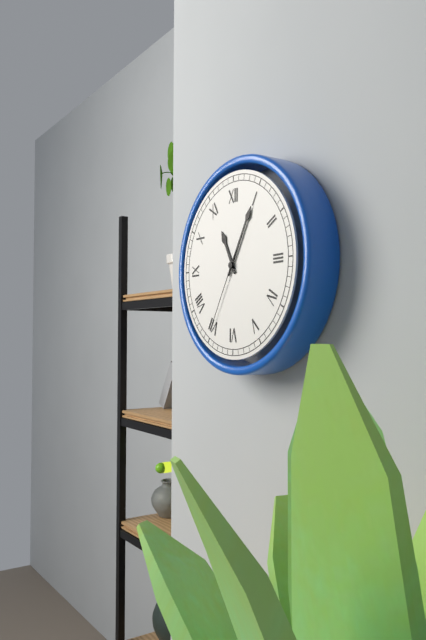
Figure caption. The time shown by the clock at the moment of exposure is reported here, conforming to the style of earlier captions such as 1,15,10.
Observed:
11,05,35
